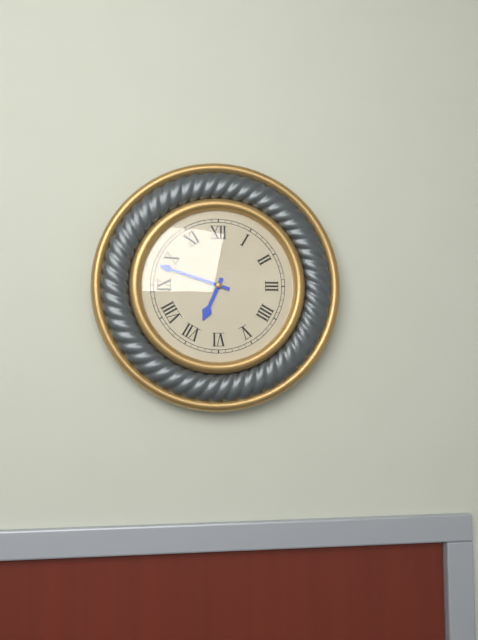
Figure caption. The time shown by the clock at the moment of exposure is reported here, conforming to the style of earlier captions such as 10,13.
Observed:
6,48
